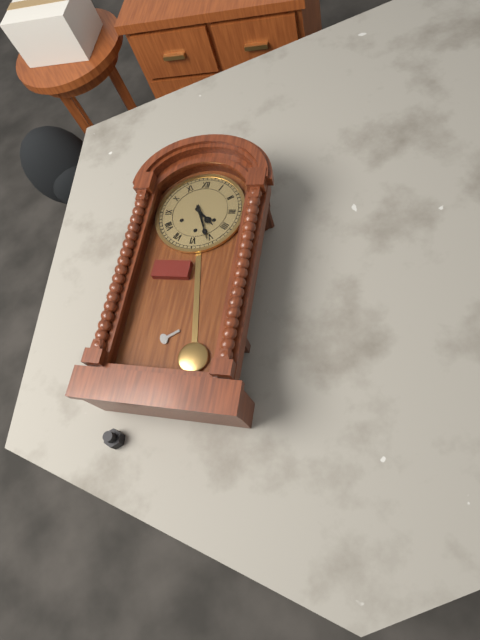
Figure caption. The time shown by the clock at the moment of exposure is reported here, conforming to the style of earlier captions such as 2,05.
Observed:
4,26
